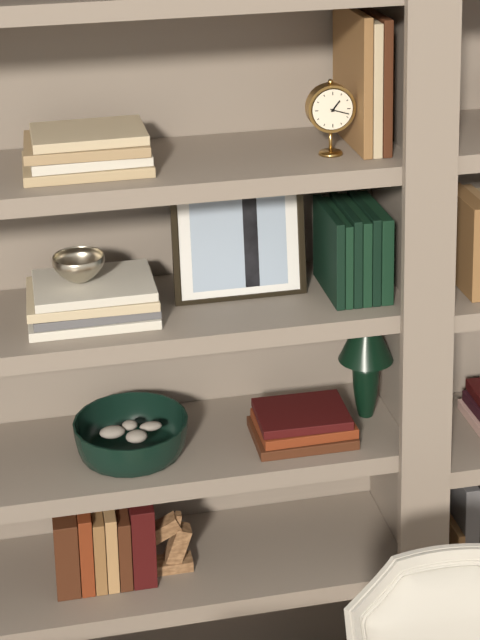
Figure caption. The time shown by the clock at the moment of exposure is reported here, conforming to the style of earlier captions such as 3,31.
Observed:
1,18
